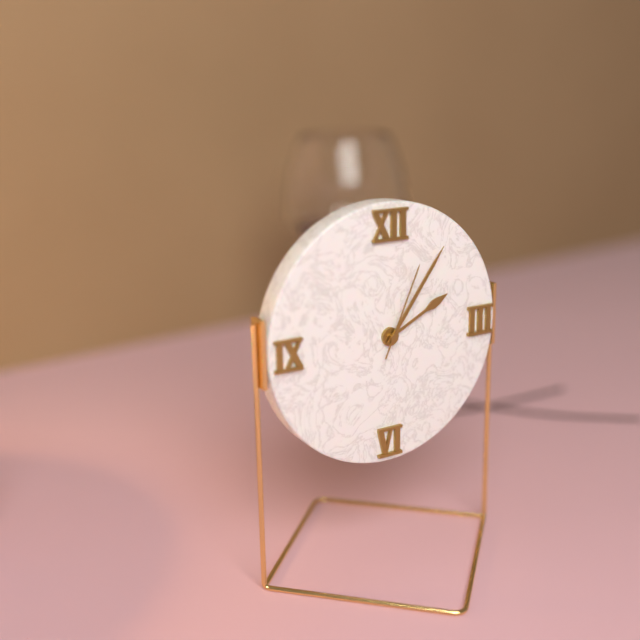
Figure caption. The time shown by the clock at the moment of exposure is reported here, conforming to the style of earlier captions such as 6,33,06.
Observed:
2,06,04
